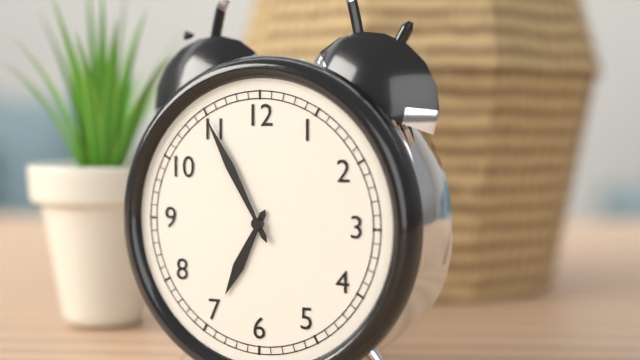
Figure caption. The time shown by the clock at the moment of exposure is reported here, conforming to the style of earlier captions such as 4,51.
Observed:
6,55
